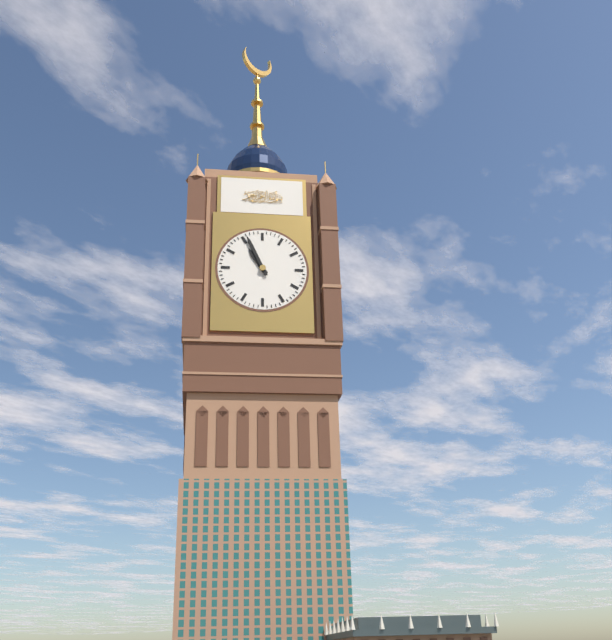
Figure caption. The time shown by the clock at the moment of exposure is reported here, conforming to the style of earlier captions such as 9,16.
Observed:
10,56
